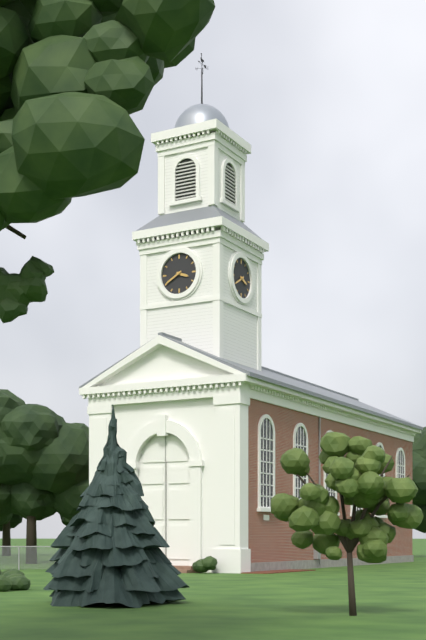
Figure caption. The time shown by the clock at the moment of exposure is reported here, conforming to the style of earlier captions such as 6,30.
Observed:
3,40
